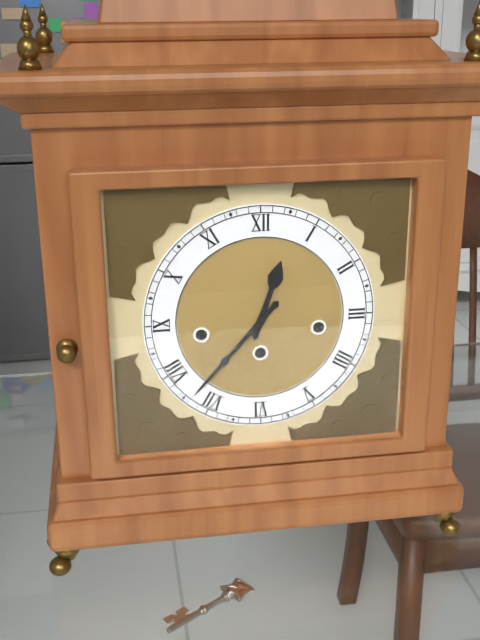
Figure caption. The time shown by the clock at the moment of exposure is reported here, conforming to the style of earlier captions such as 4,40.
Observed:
12,37
